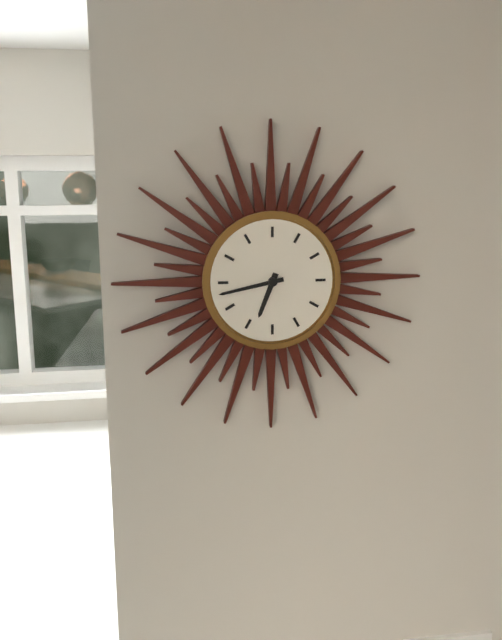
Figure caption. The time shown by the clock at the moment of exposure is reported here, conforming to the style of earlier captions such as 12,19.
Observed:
6,43
